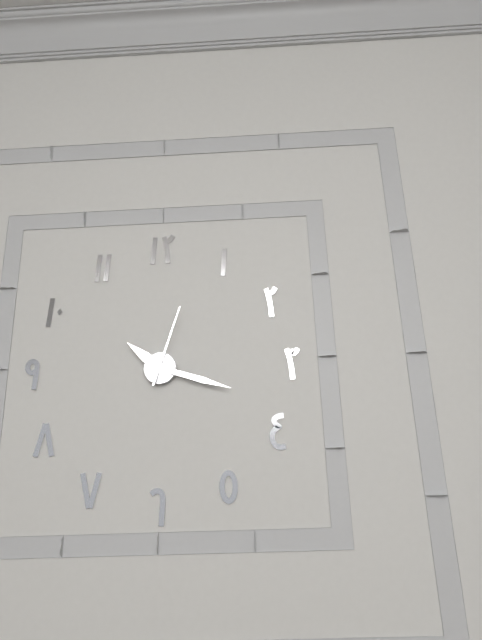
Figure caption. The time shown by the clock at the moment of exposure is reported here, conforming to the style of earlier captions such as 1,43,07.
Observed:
10,18,03
